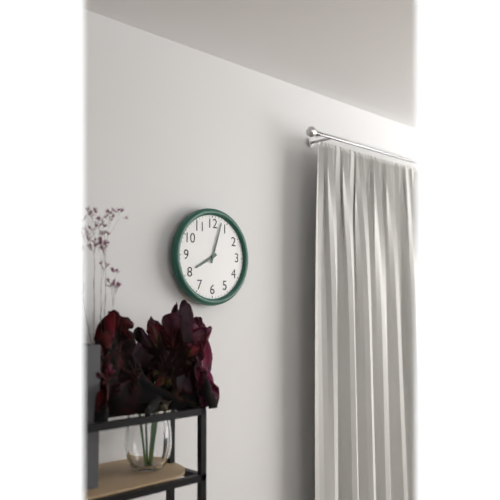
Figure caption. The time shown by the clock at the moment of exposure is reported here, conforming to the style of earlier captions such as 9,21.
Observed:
8,03
